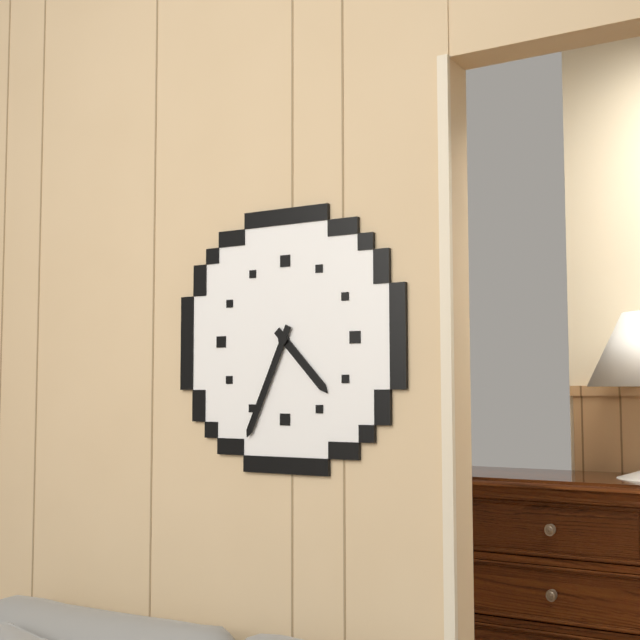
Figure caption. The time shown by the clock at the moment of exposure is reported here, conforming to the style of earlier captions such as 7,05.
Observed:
4,34
